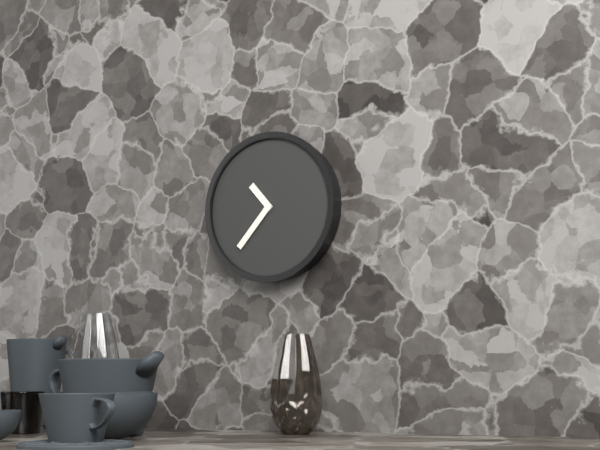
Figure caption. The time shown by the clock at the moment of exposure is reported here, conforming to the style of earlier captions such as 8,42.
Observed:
10,37
